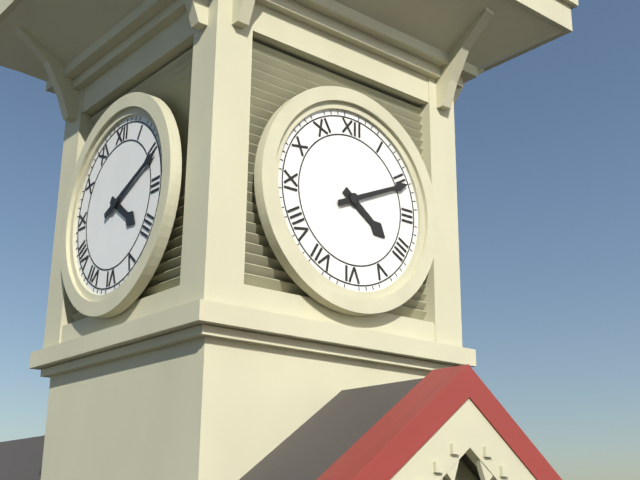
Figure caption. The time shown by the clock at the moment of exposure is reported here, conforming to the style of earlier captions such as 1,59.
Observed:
4,11
